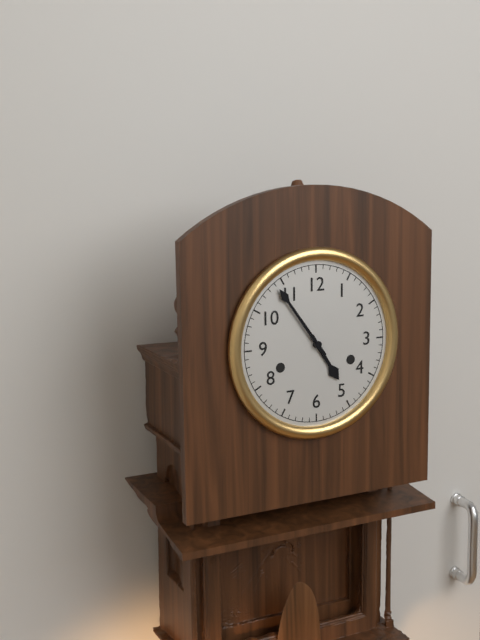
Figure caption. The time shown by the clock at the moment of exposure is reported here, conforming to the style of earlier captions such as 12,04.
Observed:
4,54
